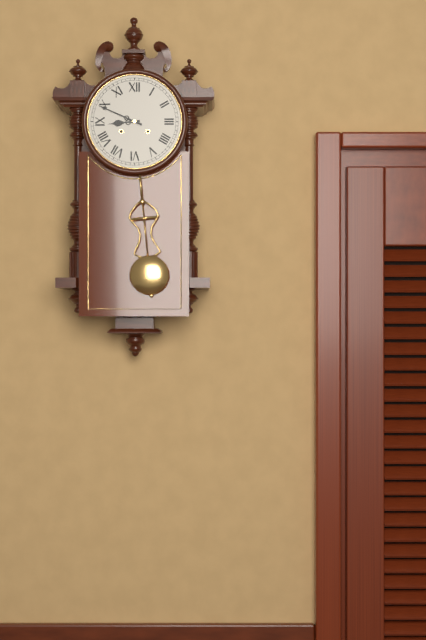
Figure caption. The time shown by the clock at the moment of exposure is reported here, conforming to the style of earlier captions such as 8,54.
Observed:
8,49
